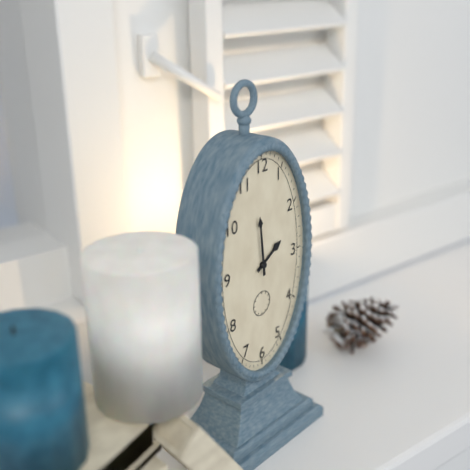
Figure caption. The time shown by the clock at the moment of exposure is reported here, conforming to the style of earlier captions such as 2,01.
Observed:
1,59
